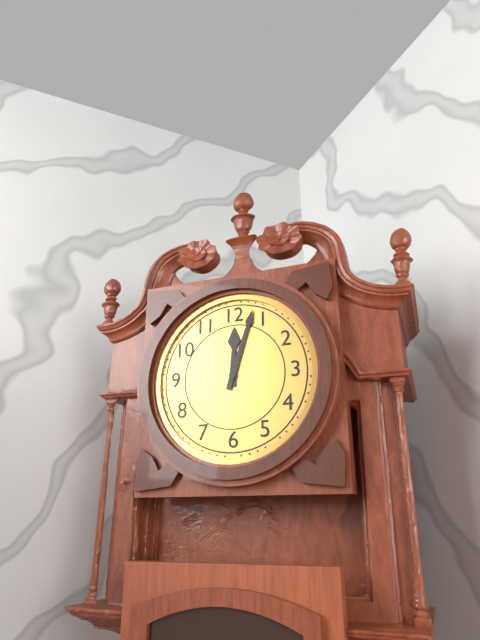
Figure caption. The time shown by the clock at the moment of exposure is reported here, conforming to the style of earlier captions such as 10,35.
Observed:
12,03
